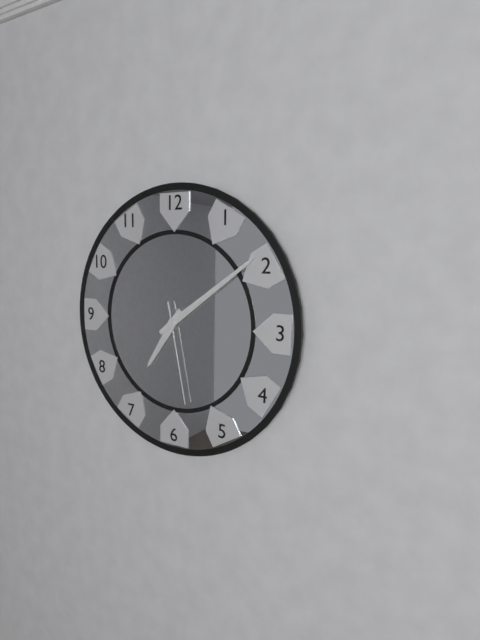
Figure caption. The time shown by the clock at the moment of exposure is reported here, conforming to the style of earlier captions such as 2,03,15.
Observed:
7,09,28
